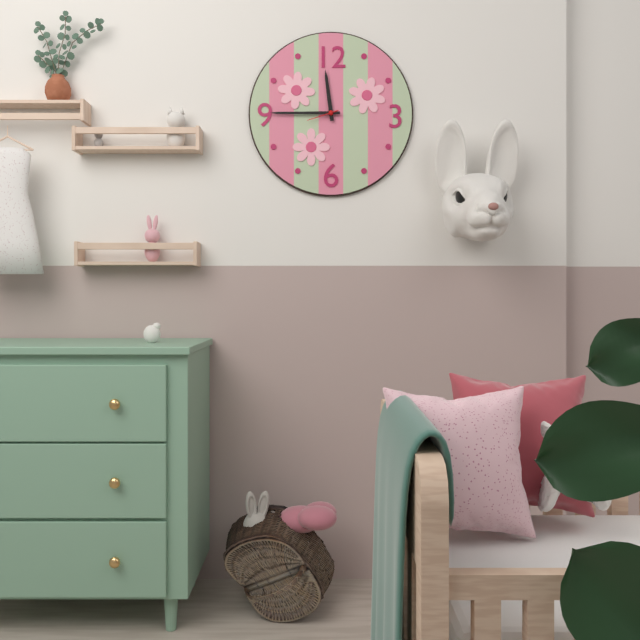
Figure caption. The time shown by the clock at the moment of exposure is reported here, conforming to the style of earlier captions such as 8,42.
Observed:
11,45
